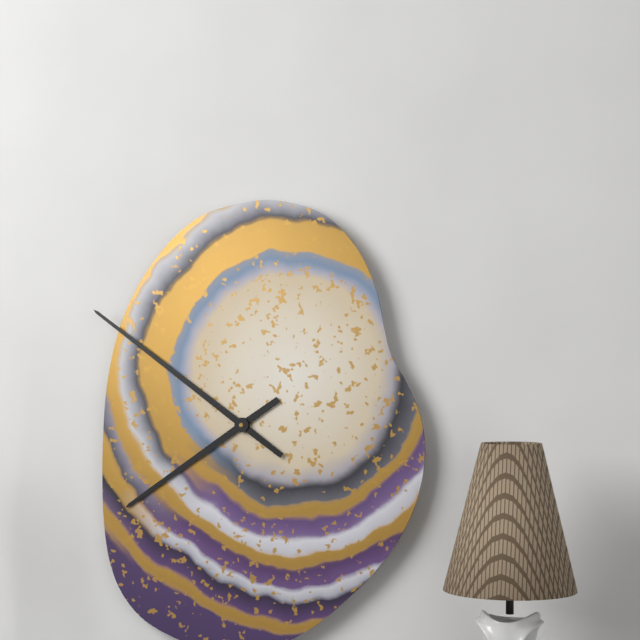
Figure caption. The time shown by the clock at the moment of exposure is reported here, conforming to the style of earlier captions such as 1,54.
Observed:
7,51
